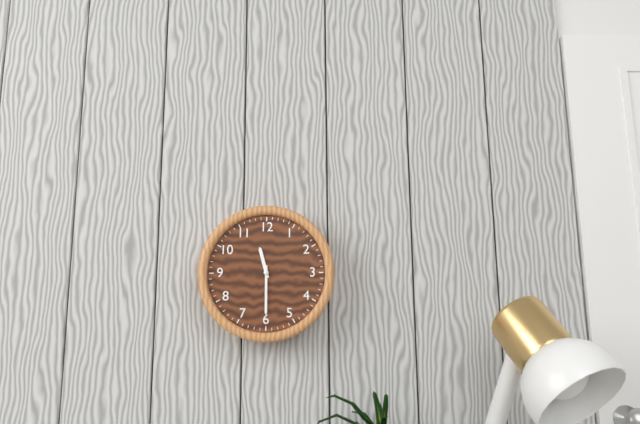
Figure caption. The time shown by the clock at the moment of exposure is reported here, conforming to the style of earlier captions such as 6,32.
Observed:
11,30
